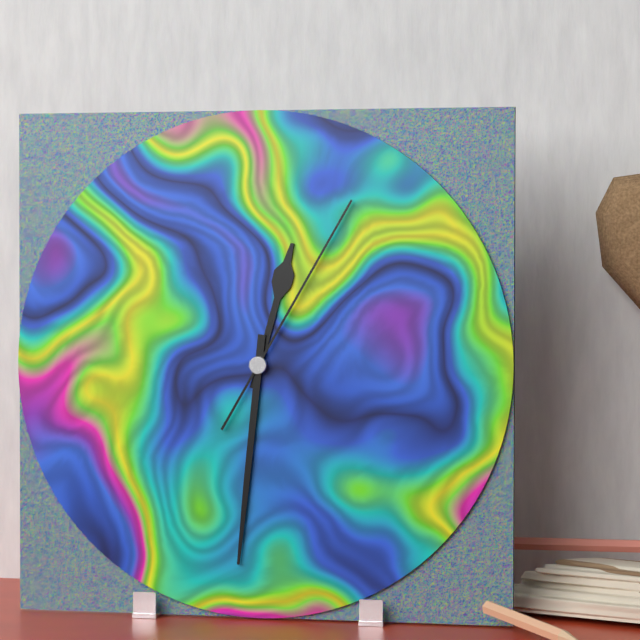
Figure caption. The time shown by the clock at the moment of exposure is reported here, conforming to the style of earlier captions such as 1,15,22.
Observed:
12,31,05
